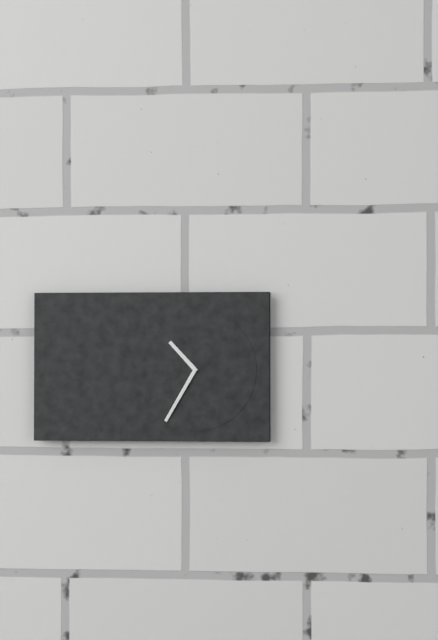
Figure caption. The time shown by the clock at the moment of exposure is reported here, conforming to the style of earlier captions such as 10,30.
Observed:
10,35
